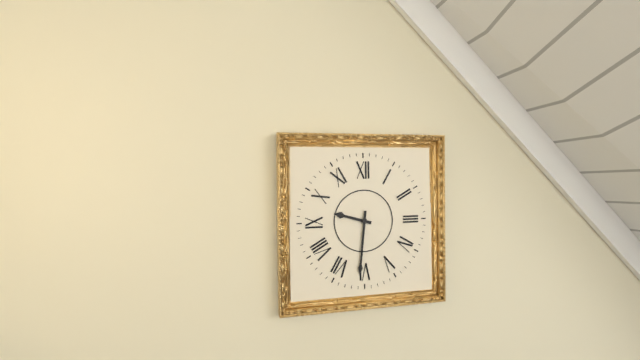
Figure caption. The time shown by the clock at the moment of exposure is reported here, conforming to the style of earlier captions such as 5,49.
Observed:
9,31
